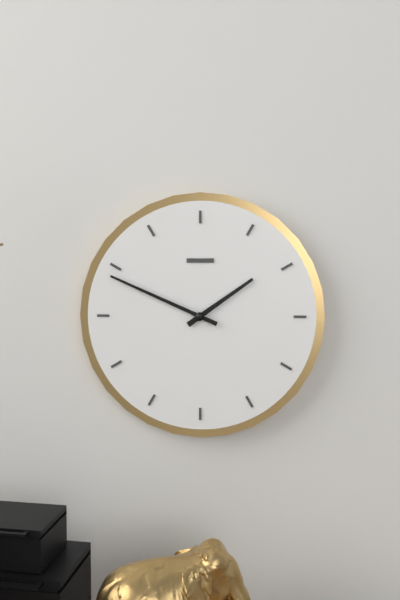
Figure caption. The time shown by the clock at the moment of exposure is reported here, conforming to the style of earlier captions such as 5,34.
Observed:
1,49
